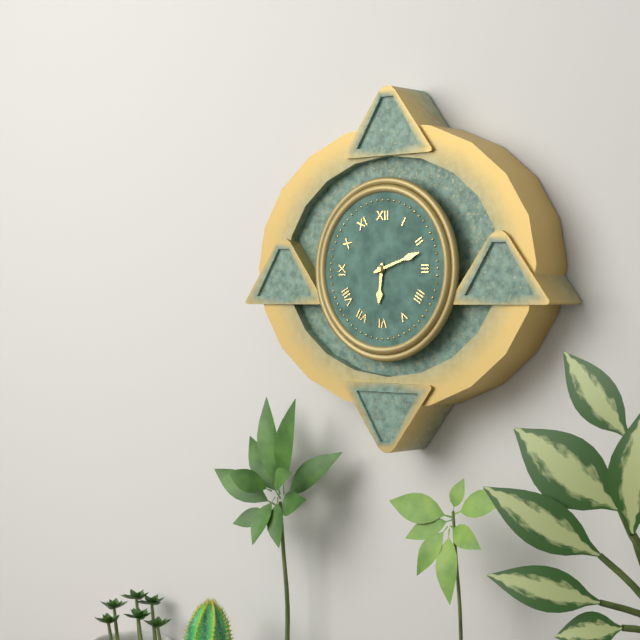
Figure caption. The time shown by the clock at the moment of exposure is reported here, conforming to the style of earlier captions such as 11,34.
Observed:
6,12
